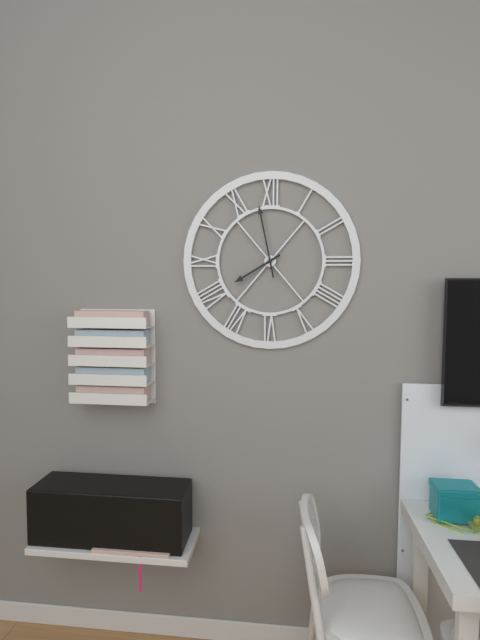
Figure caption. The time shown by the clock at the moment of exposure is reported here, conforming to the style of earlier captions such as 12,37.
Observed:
7,58
